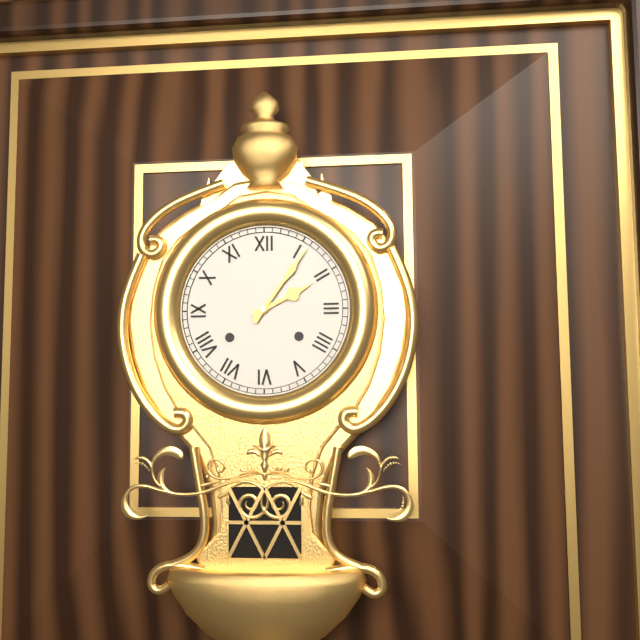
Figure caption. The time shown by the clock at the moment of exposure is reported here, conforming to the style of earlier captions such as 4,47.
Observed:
2,06
